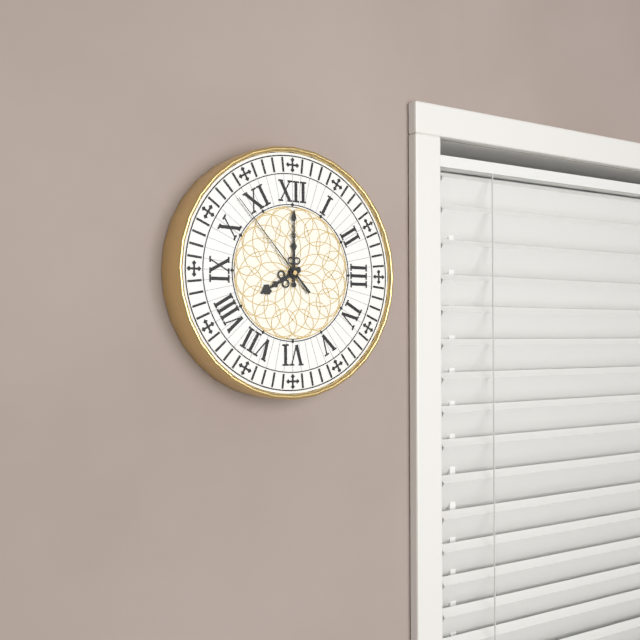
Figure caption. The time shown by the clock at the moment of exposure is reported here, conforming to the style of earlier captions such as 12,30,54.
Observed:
8,00,53
